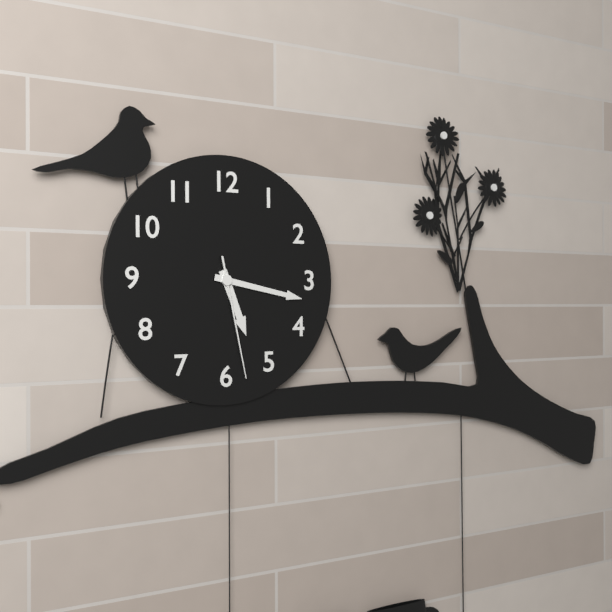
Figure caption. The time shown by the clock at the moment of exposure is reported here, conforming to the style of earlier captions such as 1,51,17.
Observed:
5,17,28
